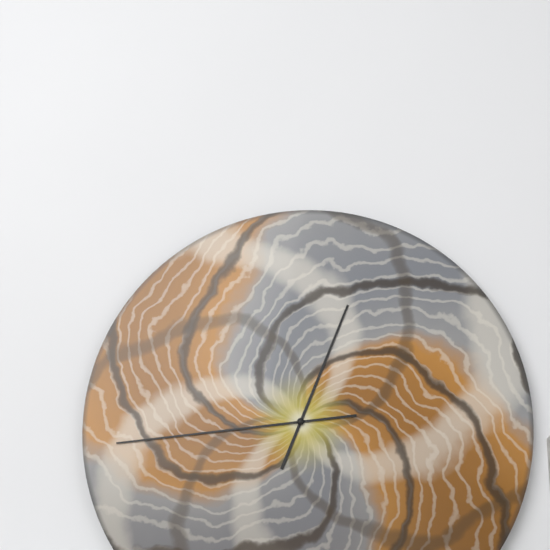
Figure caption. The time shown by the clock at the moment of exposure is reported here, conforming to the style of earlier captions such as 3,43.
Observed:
12,44
